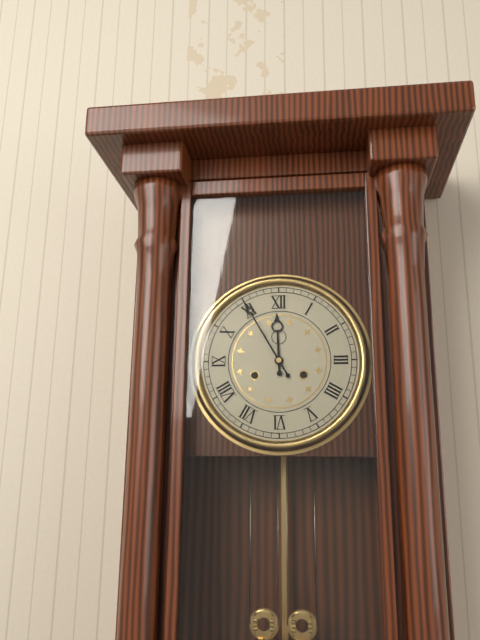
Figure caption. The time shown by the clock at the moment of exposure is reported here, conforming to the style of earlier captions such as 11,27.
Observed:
11,55
